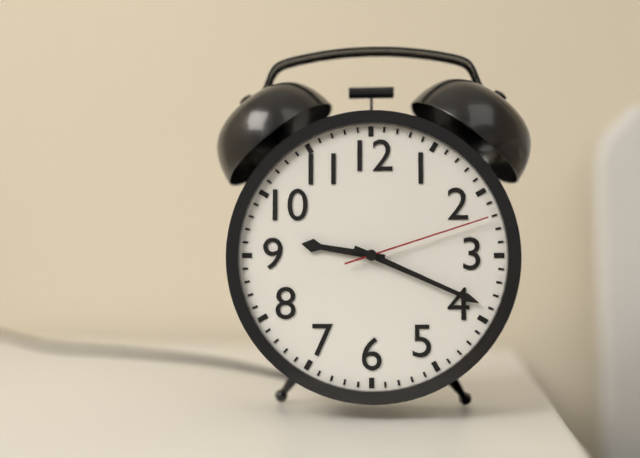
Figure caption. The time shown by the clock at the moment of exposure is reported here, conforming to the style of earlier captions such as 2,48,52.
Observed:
9,19,12
